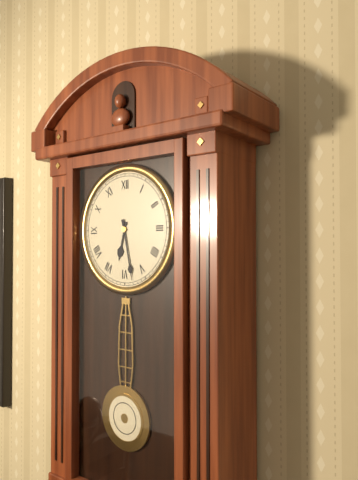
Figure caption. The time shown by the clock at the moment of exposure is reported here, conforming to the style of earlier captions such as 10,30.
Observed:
6,28
